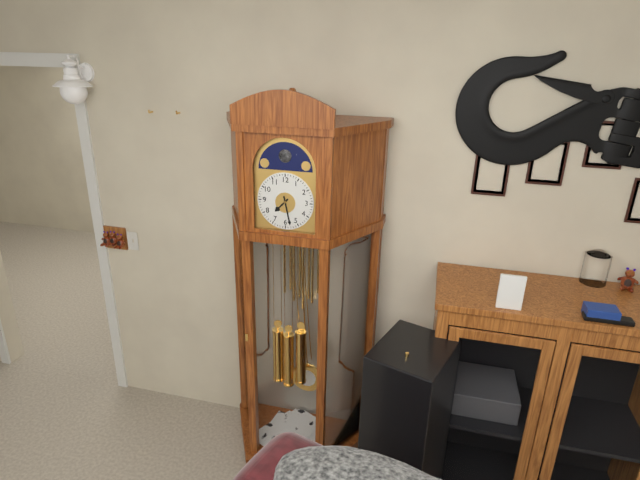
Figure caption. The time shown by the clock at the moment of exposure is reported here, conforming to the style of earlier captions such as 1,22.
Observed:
7,28
